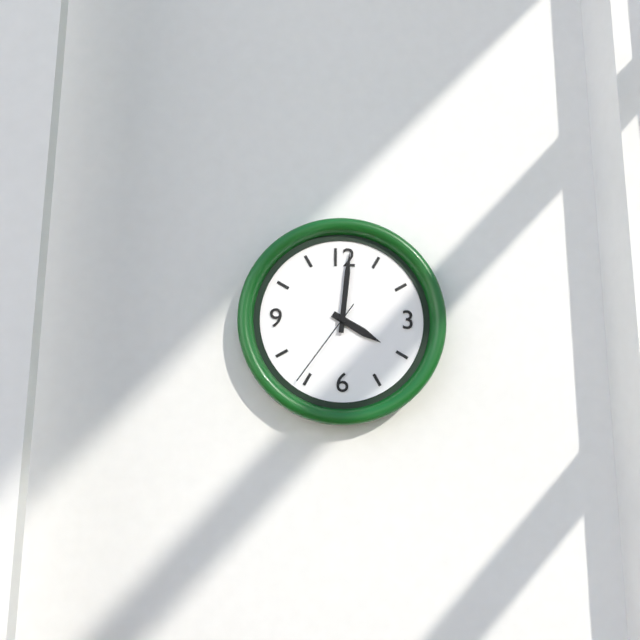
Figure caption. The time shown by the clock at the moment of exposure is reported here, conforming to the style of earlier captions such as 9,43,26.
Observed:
4,01,36
